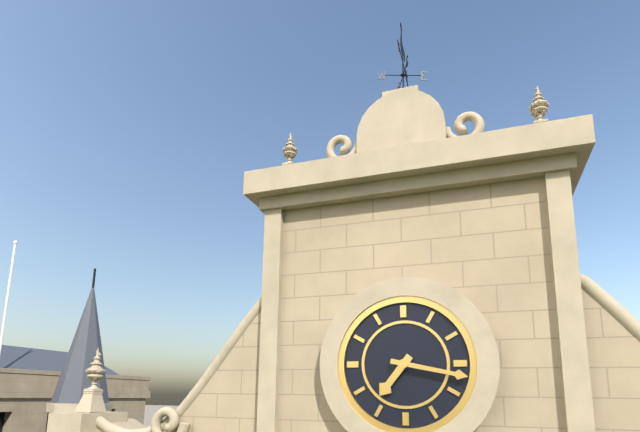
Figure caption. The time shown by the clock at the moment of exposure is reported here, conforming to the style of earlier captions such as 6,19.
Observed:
7,17
